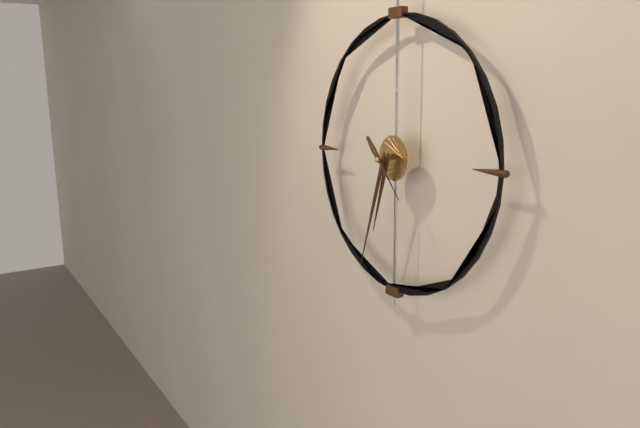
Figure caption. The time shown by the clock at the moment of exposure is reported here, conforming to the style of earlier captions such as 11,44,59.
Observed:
6,33,23
